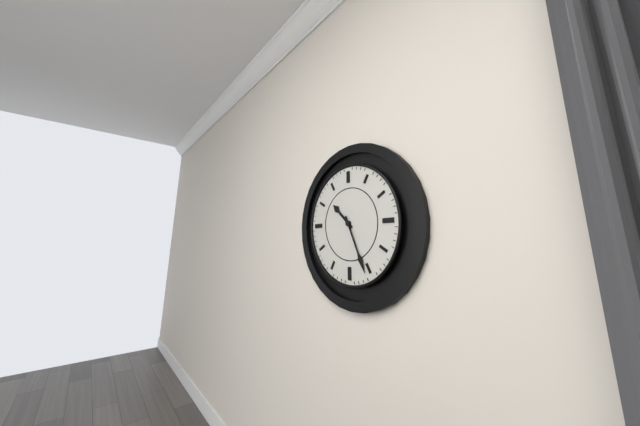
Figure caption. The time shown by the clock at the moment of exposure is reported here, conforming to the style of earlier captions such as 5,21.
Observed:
10,26
